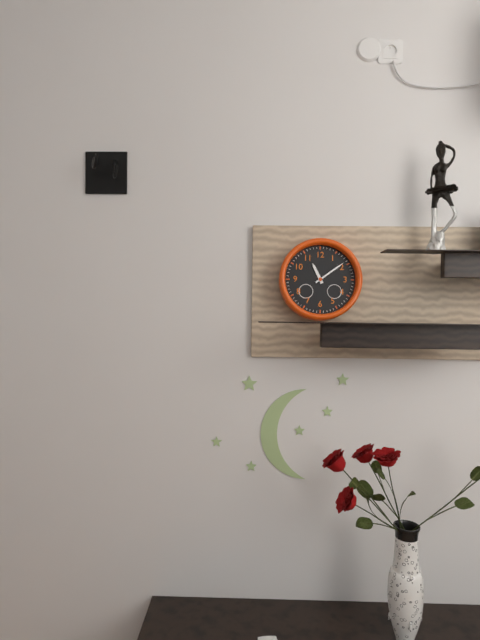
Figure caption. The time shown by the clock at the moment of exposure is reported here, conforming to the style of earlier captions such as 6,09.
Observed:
11,09
